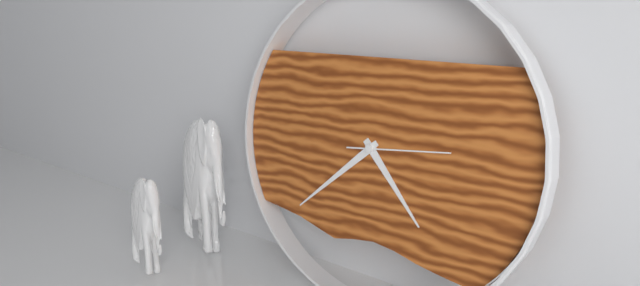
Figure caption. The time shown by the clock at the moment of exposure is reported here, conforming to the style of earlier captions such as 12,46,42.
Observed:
4,38,14
